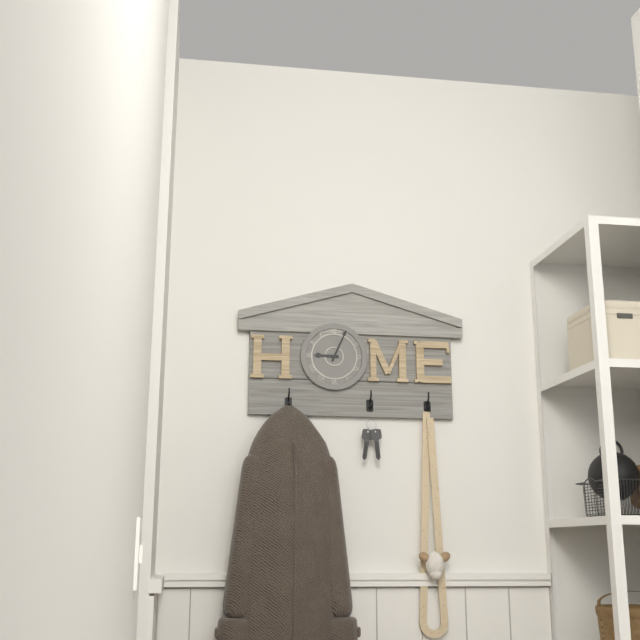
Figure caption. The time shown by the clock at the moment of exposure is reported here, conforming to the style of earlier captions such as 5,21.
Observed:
9,04
